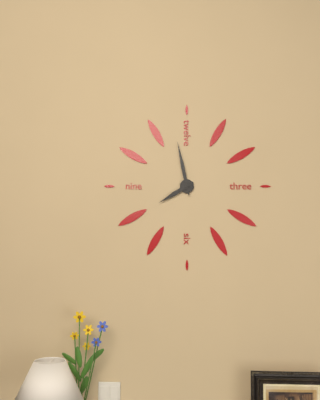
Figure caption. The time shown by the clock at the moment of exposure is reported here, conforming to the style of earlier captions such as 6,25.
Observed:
7,58
